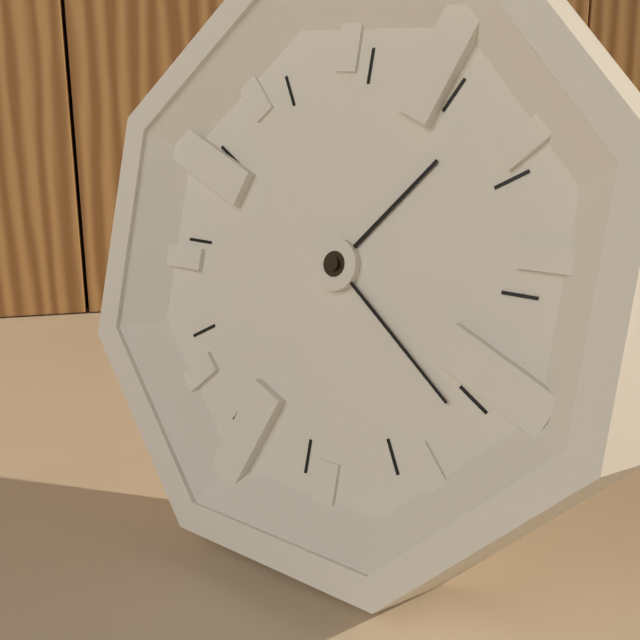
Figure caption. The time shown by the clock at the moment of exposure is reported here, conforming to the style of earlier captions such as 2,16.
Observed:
1,21
